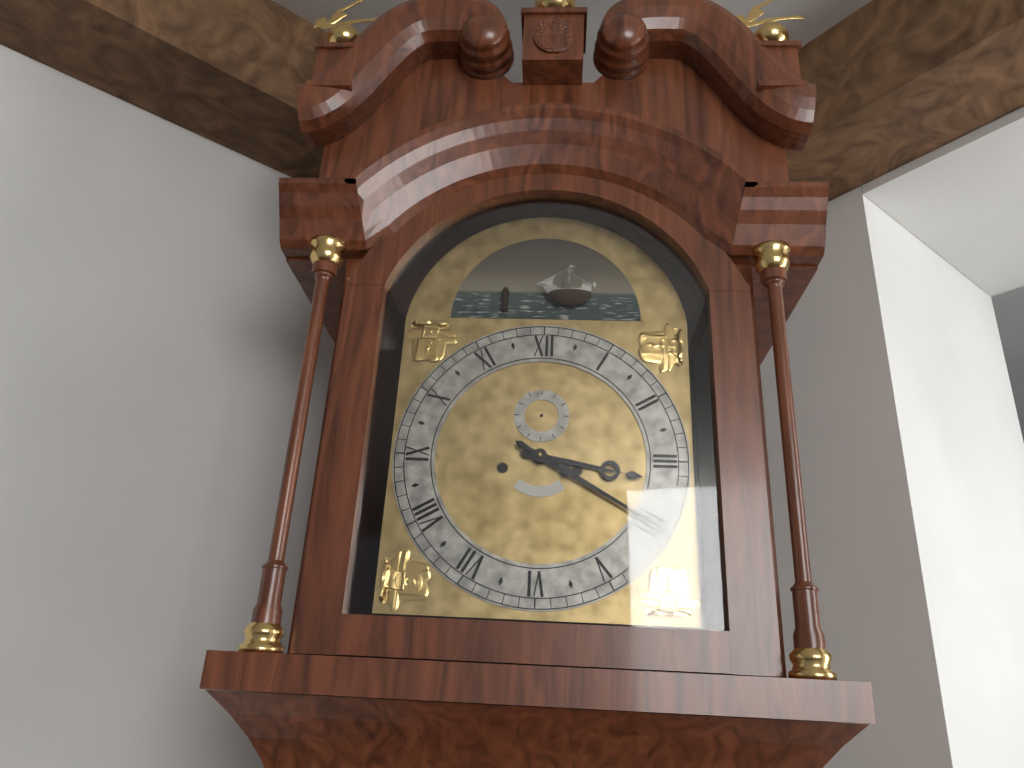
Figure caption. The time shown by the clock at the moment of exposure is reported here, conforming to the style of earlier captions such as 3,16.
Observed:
3,20
